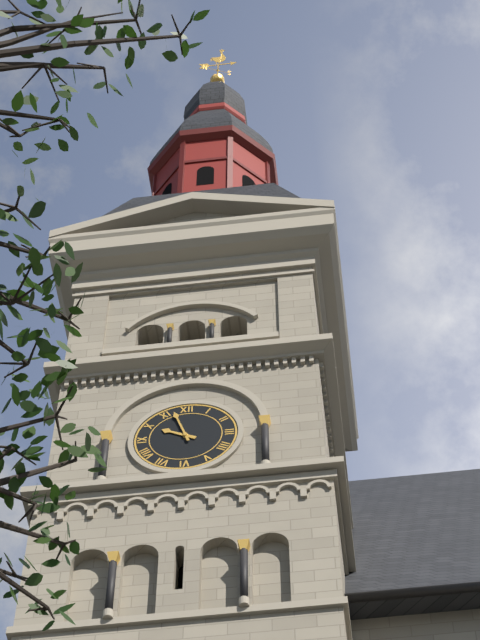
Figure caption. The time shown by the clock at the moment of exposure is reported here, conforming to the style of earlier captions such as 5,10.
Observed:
9,57
